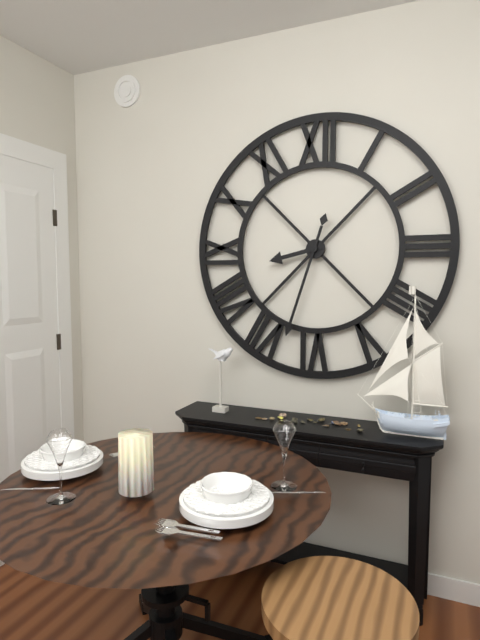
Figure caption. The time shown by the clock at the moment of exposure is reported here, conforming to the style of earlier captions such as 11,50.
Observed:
8,33
